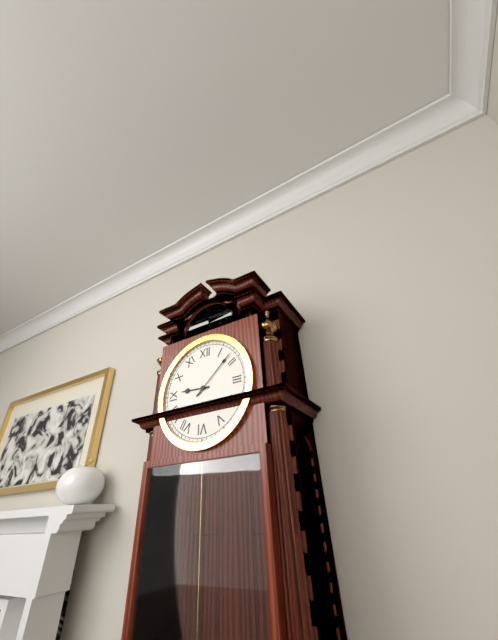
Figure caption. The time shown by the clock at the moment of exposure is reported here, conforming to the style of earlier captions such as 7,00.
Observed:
9,08
